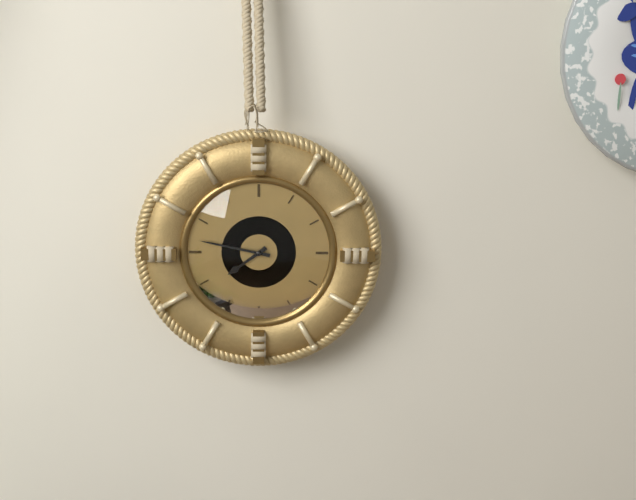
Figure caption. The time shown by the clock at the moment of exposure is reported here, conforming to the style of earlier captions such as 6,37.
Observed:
7,47
